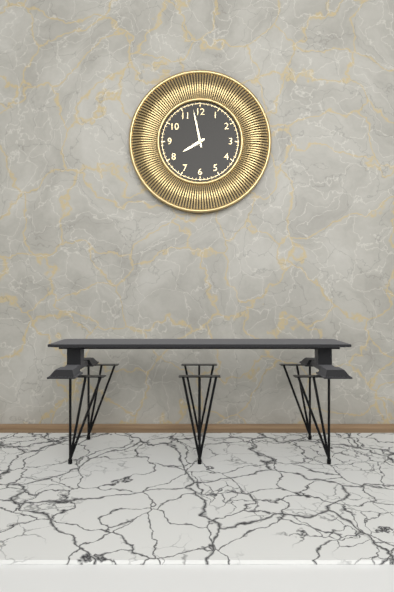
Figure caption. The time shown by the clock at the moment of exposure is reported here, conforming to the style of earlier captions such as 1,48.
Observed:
7,58
